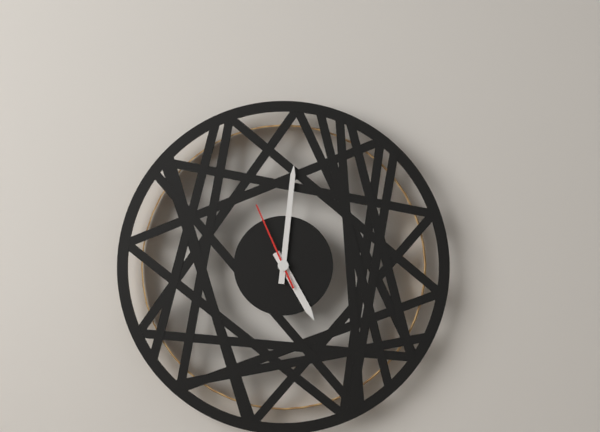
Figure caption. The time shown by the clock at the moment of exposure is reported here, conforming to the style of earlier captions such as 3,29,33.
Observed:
5,01,56
